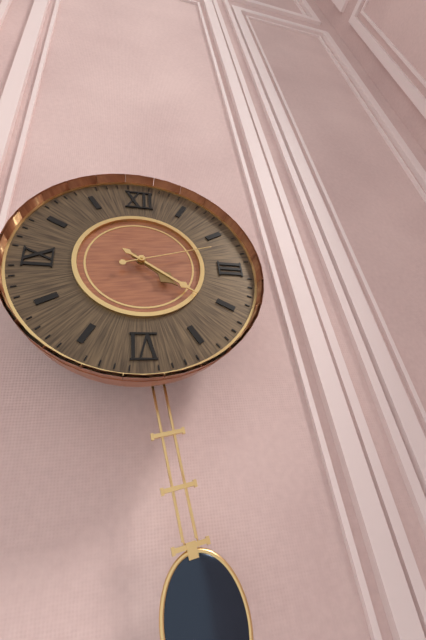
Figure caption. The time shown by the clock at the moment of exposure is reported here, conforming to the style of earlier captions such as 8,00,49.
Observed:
4,21,12
